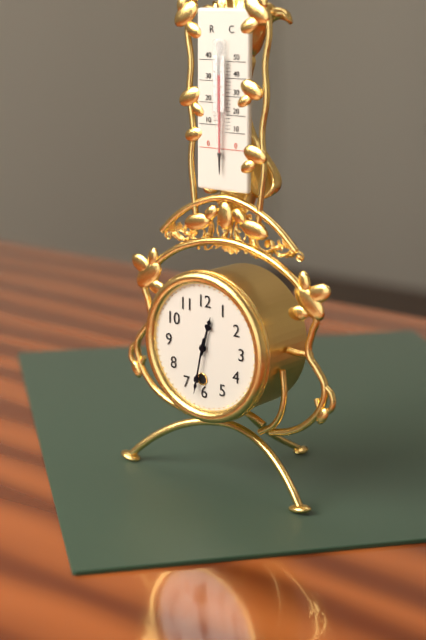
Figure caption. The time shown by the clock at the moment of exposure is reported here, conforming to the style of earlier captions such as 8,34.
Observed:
12,32
